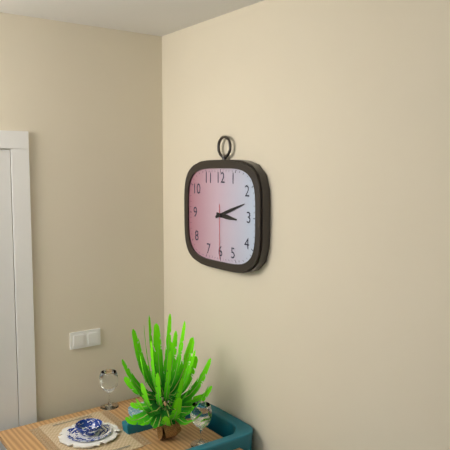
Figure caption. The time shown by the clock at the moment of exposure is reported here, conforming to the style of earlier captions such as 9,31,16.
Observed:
3,12,30
